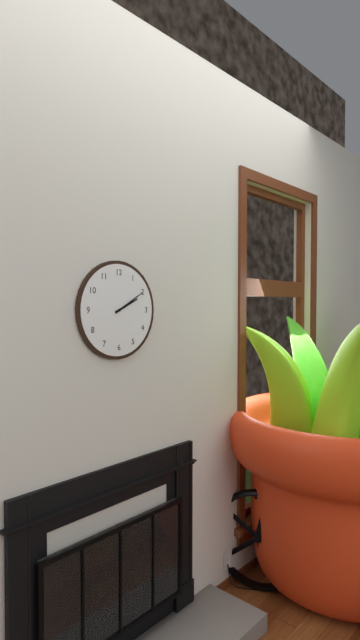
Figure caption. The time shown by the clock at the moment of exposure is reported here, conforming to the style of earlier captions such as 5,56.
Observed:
2,10
